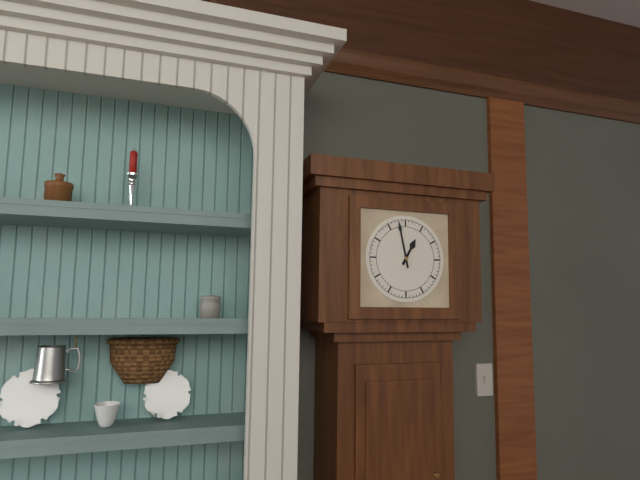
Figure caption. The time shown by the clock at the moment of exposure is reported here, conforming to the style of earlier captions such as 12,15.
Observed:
12,58
